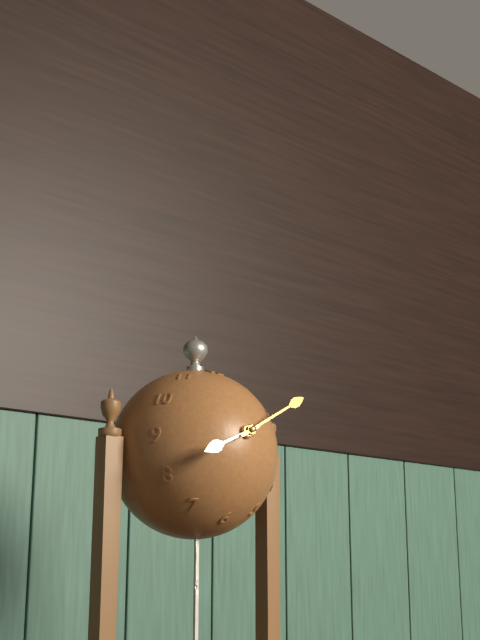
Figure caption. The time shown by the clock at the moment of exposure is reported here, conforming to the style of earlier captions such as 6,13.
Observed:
8,10
